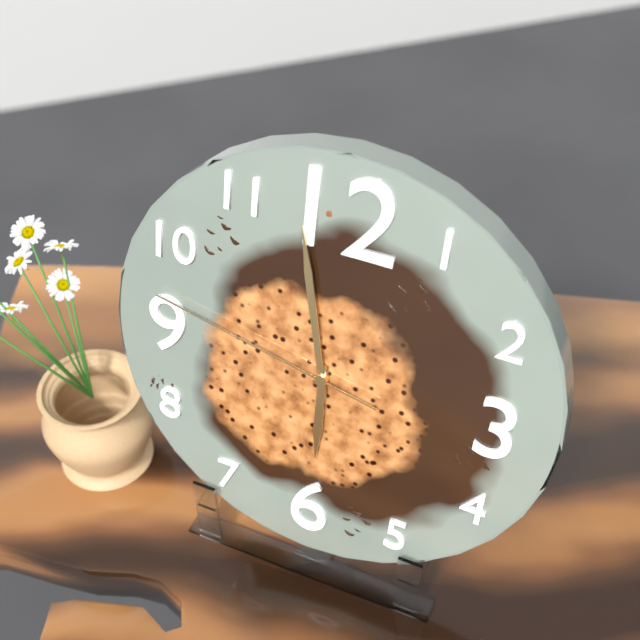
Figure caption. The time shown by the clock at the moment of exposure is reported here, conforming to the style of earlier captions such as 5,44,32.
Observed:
5,58,47
